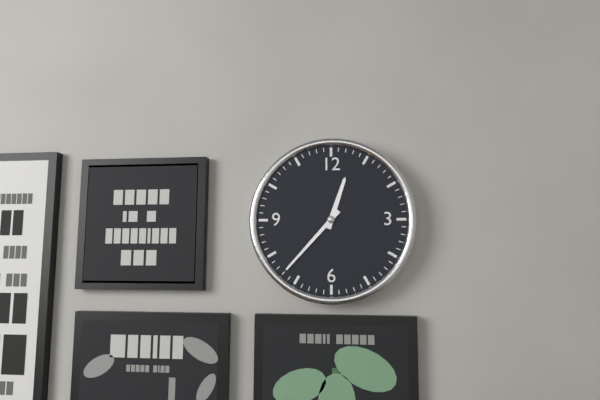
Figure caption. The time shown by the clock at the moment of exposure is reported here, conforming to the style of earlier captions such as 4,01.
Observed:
12,37
